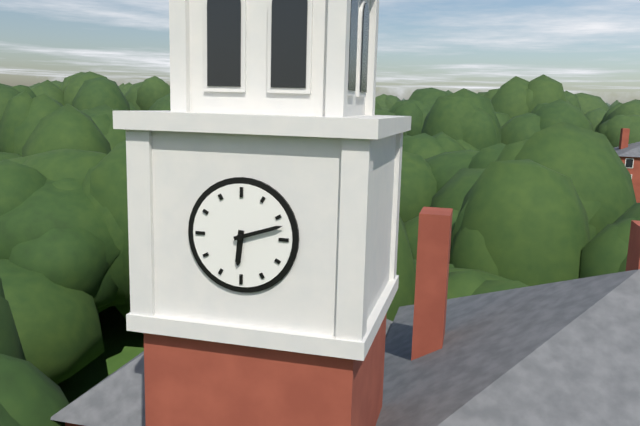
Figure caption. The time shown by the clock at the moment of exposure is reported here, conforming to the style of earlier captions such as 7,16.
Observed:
6,12
